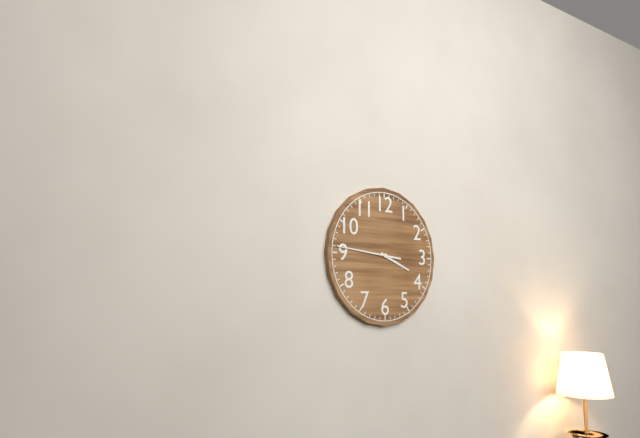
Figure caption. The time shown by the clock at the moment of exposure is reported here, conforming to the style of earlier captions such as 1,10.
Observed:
3,46
